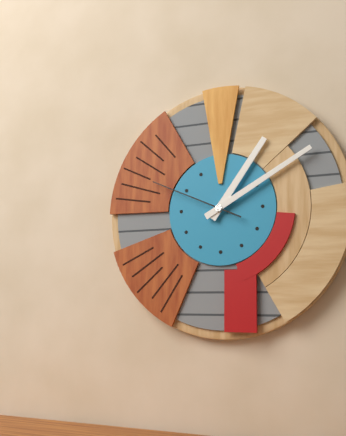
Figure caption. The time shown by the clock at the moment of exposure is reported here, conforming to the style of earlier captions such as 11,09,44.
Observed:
1,10,49
